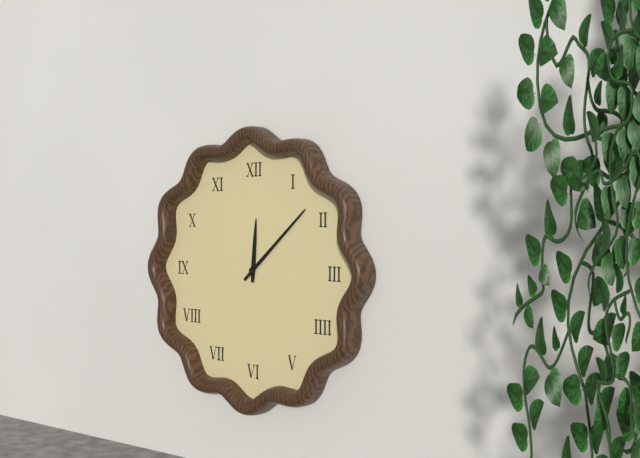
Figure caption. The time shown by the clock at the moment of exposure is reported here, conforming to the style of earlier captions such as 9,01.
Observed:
12,08
